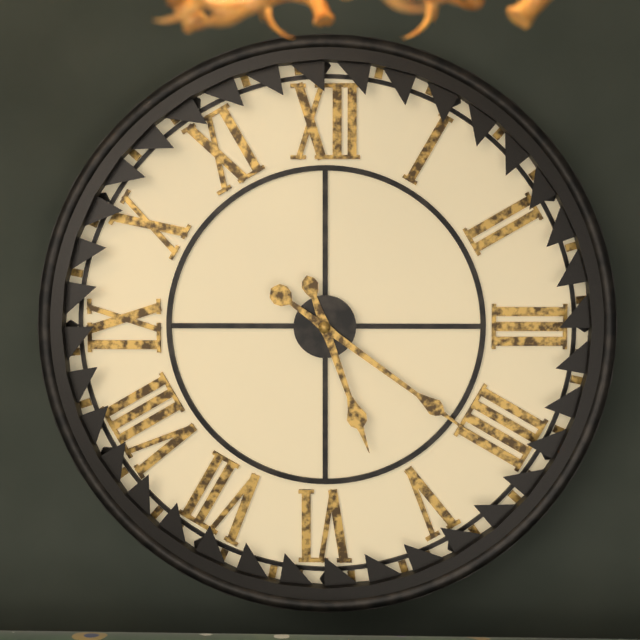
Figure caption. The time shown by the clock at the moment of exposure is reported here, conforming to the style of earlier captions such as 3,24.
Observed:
5,21
